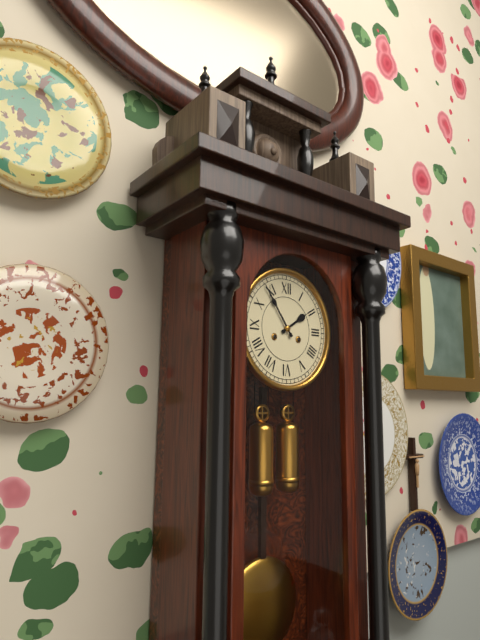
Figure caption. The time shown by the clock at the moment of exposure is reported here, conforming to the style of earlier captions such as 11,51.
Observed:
1,54
